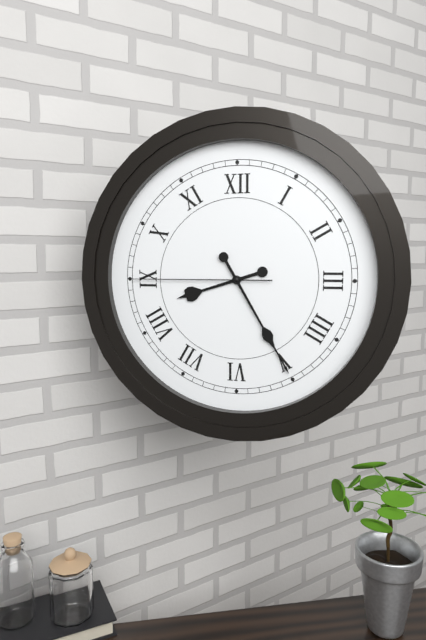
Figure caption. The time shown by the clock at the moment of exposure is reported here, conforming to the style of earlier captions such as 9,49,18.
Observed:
8,25,45
